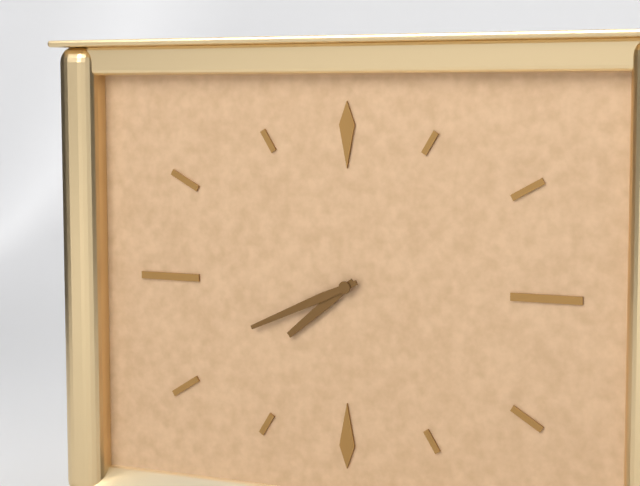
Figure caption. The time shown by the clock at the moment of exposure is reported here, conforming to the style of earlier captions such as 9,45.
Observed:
7,41
